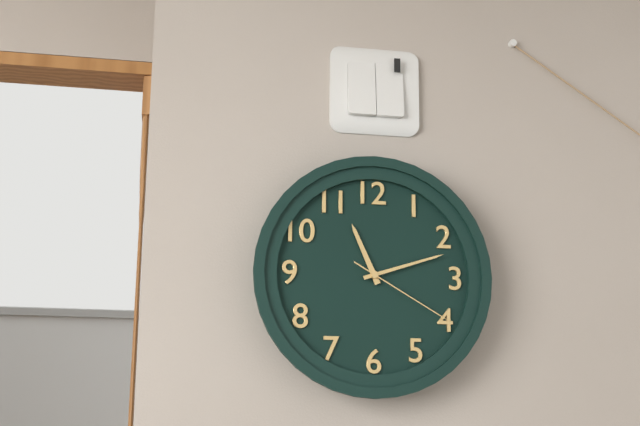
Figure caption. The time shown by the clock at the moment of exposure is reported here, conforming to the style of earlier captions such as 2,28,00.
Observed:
11,12,20
